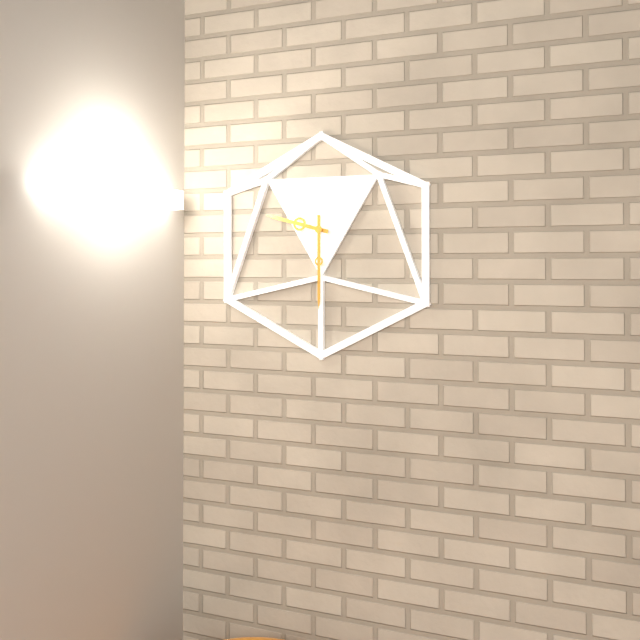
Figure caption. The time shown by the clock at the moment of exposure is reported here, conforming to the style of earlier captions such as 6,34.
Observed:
9,30
